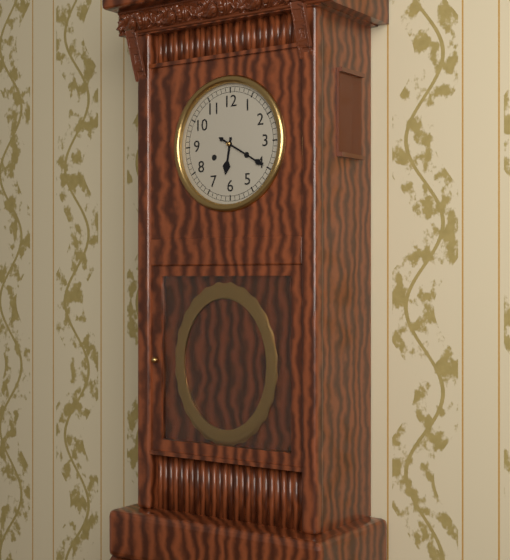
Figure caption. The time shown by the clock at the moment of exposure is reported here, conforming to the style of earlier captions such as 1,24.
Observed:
6,20
